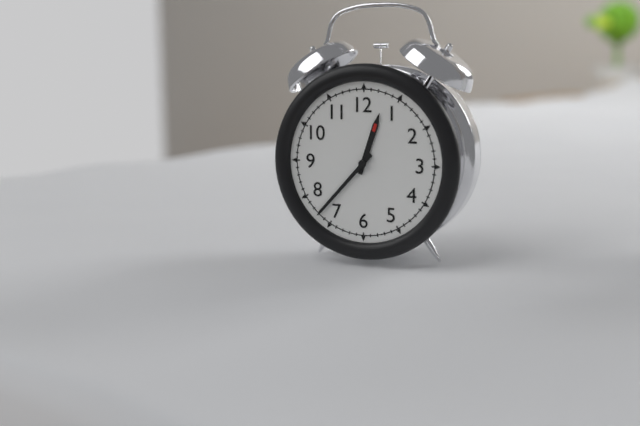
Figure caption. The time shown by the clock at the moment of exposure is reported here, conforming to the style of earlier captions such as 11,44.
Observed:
12,37
